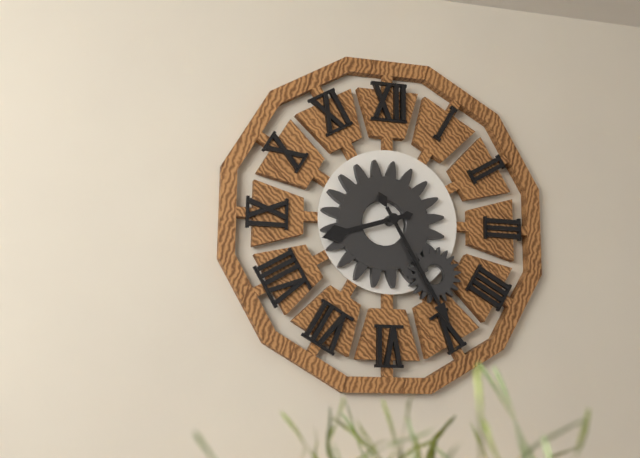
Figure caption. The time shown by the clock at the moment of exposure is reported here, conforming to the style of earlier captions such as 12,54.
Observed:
8,25
